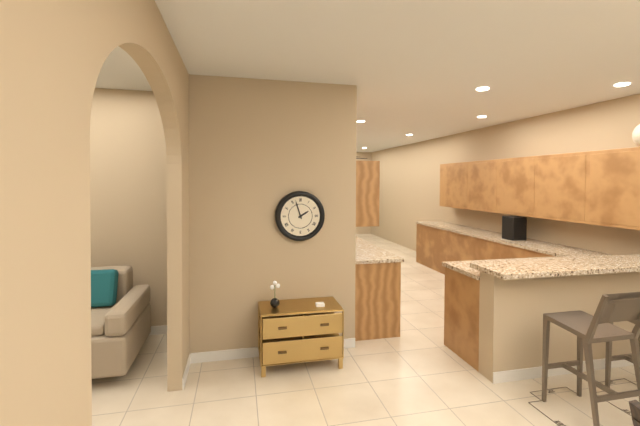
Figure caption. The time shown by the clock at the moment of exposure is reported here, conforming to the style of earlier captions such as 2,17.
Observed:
1,57
